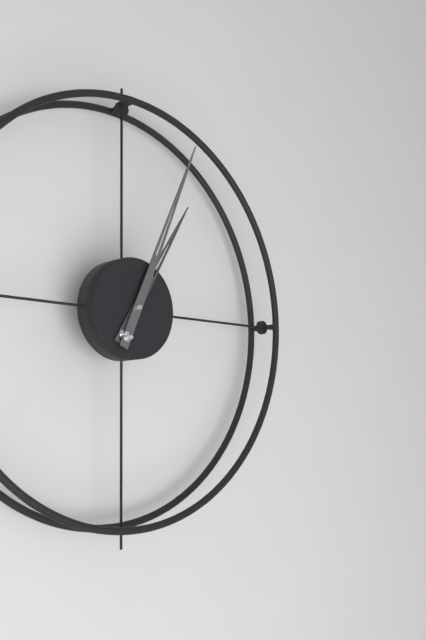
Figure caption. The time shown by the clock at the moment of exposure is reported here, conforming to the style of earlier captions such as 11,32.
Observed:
1,04
